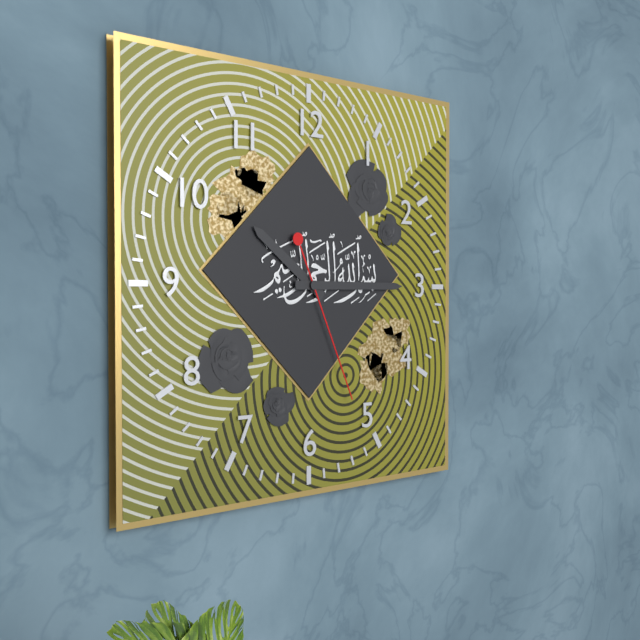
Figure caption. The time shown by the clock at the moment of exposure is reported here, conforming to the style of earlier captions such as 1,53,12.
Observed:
10,15,26
